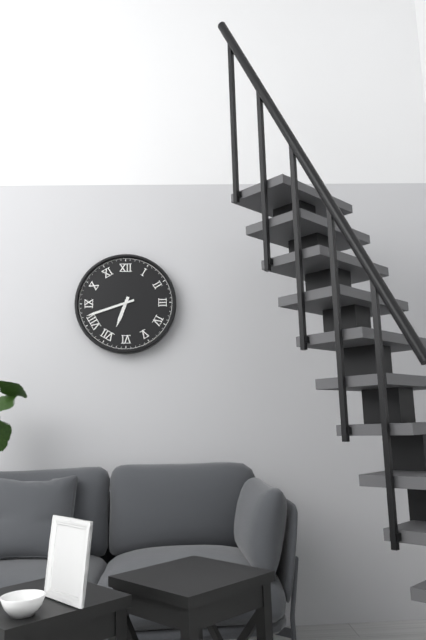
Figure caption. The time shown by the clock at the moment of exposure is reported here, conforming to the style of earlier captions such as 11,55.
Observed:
6,42
